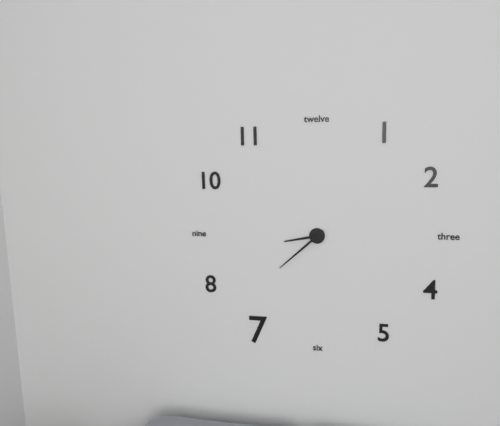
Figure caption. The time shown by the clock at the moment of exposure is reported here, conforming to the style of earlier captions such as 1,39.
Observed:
8,38
